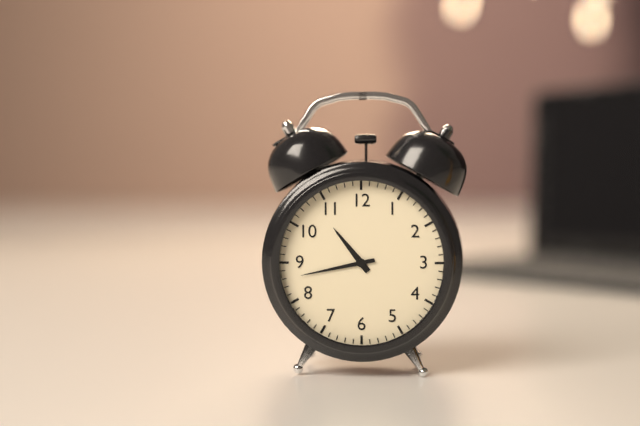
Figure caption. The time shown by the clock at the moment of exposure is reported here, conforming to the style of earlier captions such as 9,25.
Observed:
10,43
